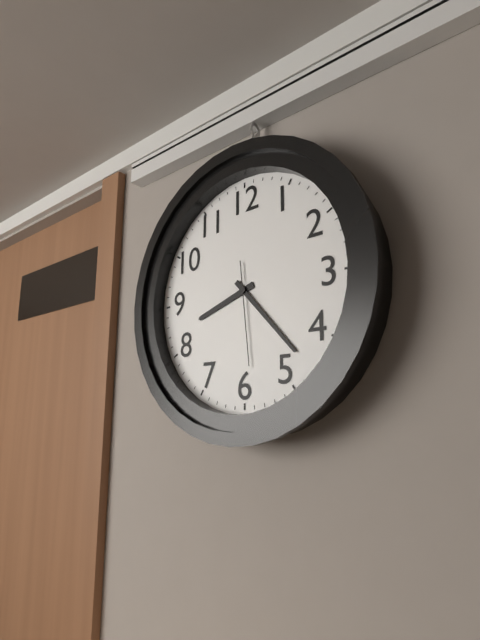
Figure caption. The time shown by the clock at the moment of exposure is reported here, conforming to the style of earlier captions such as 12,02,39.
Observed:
8,23,29
